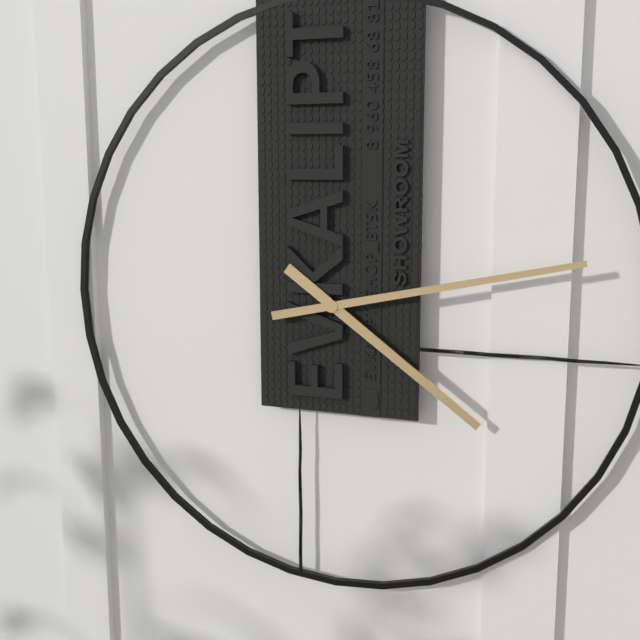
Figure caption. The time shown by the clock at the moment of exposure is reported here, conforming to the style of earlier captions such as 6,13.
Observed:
4,13
